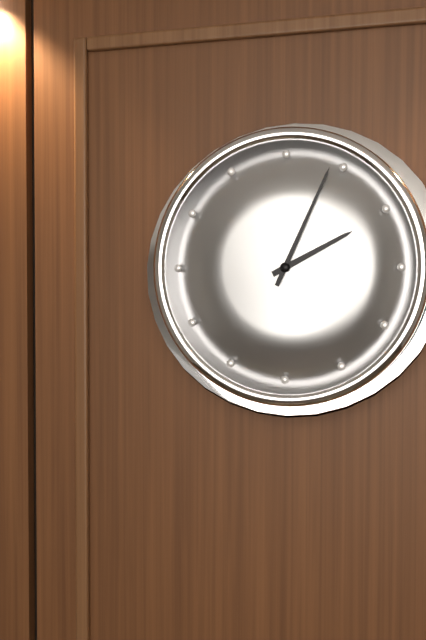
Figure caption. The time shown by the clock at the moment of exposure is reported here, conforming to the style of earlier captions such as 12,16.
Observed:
2,04
